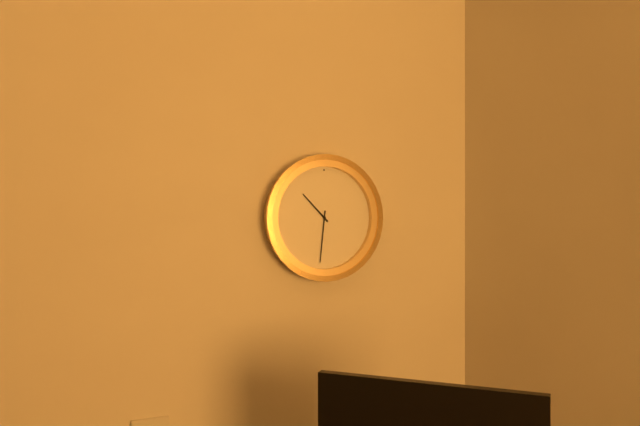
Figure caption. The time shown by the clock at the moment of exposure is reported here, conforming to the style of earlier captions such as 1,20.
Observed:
10,31
